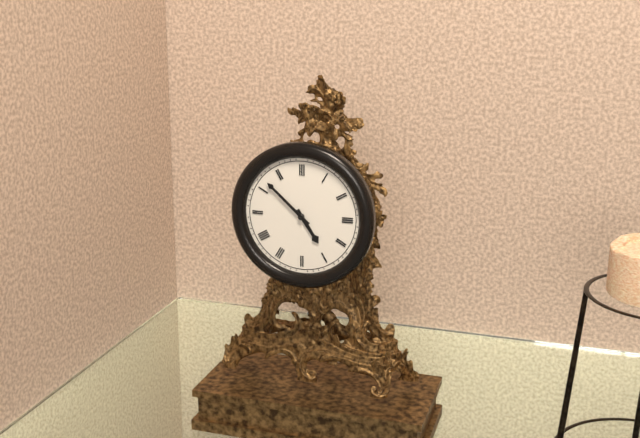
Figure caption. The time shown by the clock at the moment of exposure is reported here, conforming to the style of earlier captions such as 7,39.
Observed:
4,52
